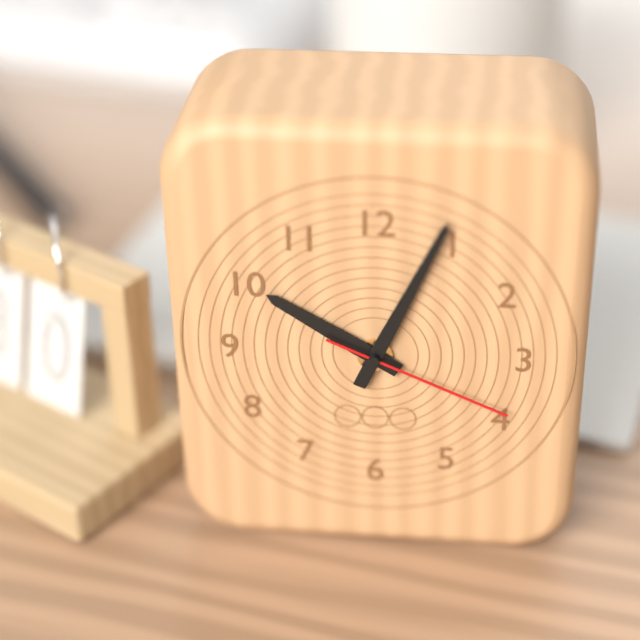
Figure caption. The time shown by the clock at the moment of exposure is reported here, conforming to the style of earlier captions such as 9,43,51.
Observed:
10,04,19
